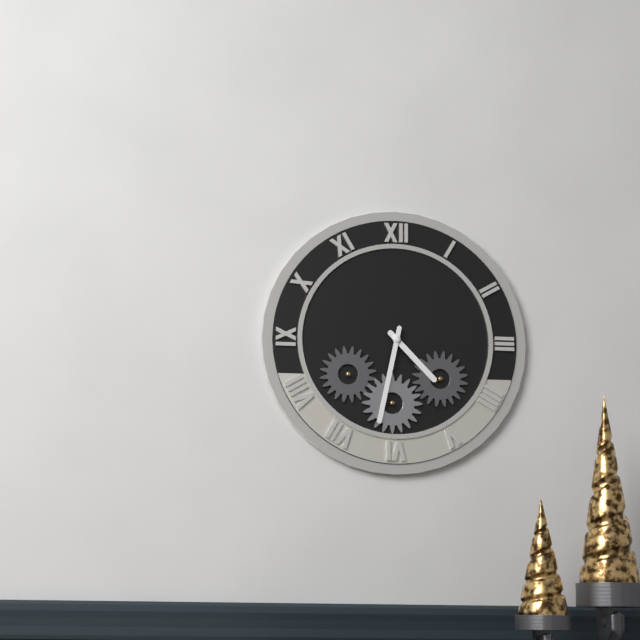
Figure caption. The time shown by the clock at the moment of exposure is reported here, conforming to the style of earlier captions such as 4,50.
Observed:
4,32
